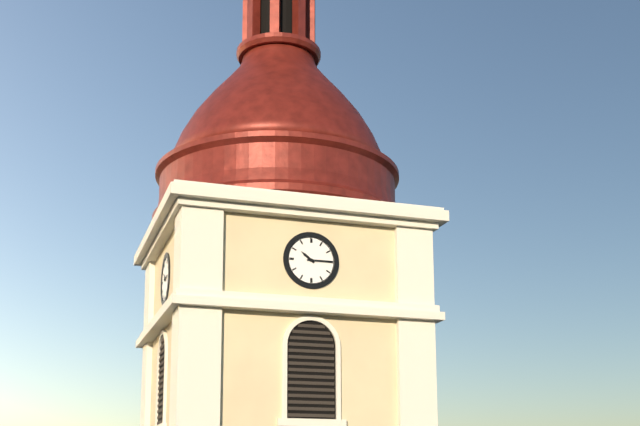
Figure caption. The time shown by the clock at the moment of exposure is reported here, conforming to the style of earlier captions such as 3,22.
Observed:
10,15
